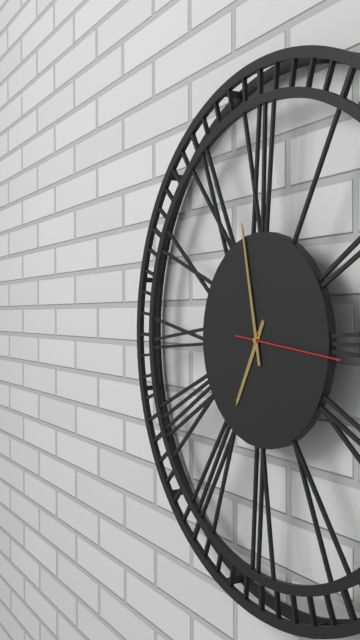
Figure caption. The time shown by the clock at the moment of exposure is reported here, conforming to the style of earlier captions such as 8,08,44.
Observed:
6,58,16
